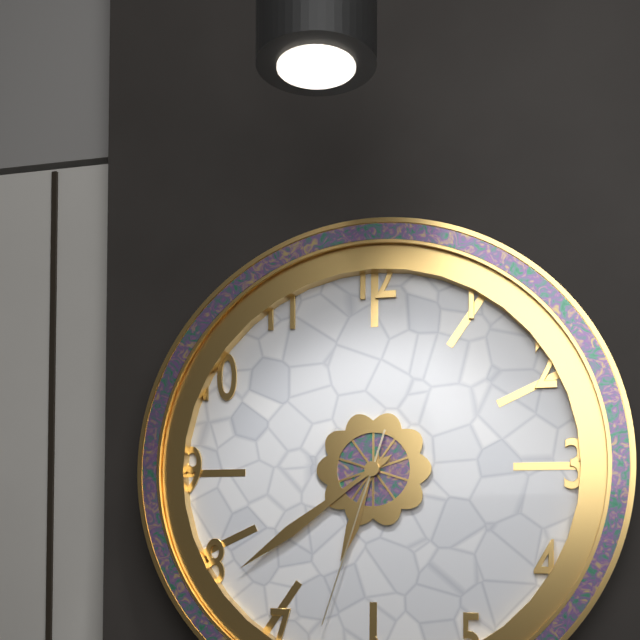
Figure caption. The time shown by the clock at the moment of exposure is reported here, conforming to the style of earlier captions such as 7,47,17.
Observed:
6,39,33
